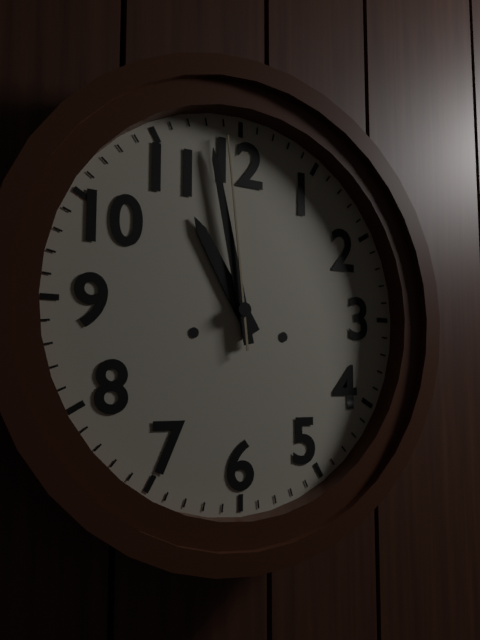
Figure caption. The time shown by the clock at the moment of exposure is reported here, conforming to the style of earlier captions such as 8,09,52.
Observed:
10,58,59
